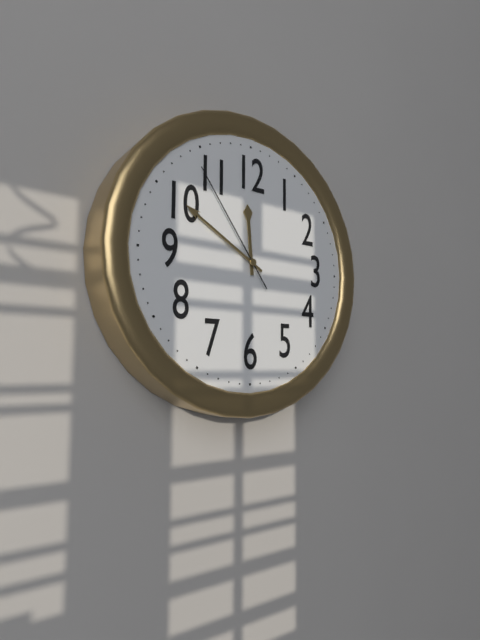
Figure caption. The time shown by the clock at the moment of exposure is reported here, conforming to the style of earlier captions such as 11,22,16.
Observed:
11,50,54
